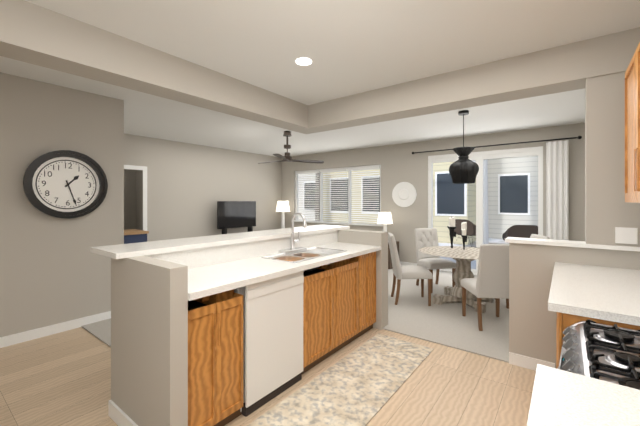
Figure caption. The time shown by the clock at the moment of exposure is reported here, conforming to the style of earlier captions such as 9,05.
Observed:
1,27
